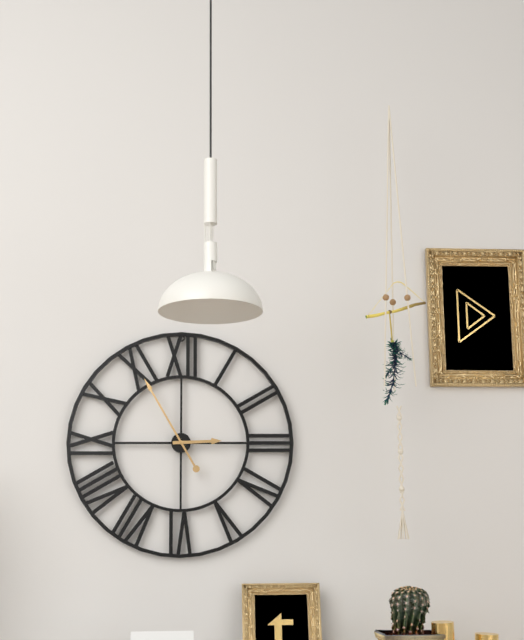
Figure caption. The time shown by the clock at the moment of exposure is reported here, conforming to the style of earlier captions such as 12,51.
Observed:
2,55
